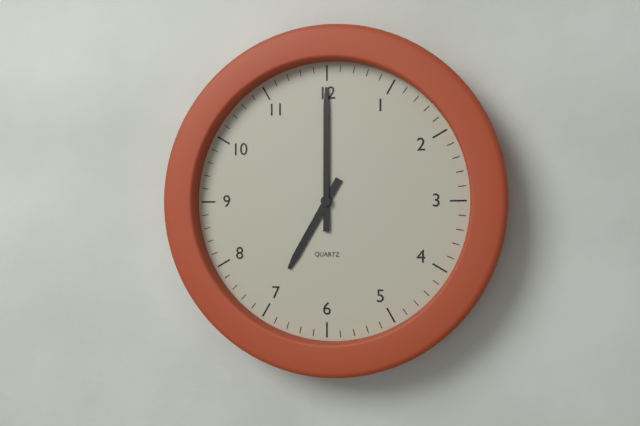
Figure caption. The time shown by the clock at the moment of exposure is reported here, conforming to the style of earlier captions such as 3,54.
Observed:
7,00
